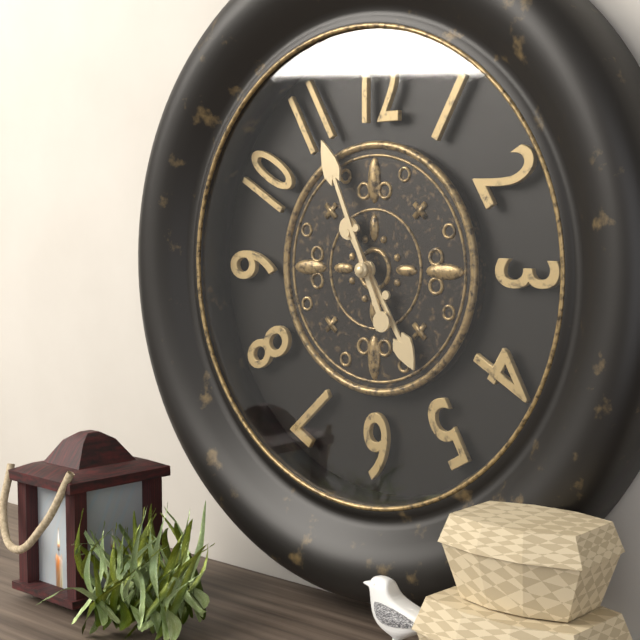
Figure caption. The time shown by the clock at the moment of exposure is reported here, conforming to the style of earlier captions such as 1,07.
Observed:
4,56
